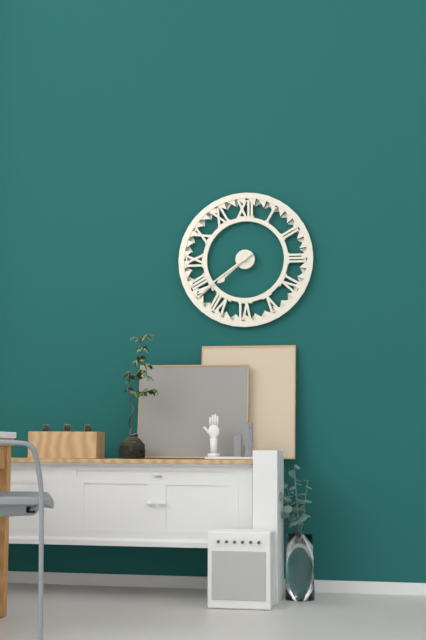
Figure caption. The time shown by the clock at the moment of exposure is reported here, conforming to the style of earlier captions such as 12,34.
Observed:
7,39
